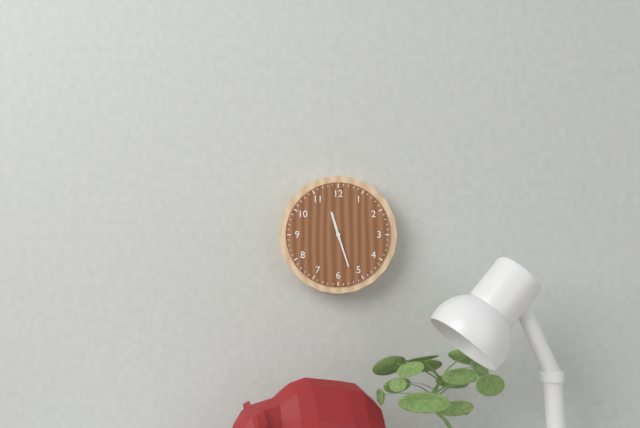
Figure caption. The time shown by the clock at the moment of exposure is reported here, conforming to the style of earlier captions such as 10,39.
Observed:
11,27
